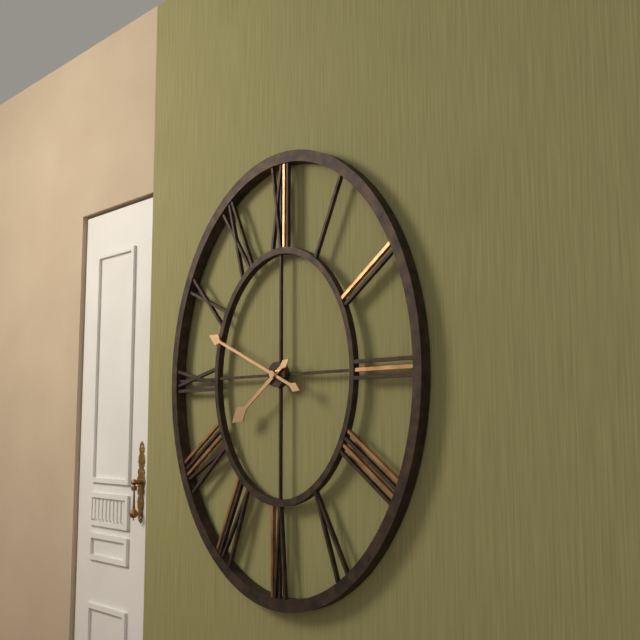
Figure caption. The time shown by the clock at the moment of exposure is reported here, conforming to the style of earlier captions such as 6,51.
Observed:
7,49
